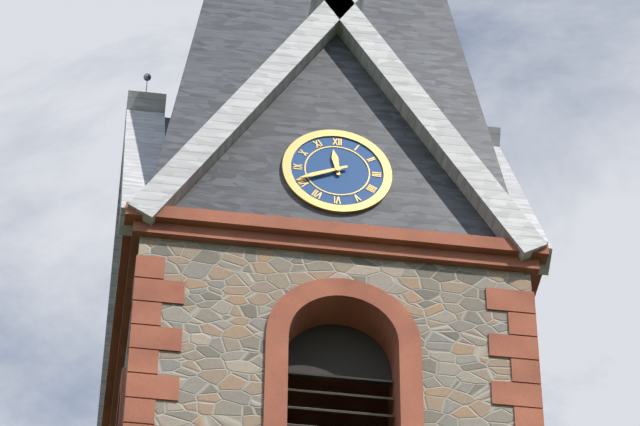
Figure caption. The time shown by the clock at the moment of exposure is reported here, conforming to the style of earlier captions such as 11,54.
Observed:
11,41
